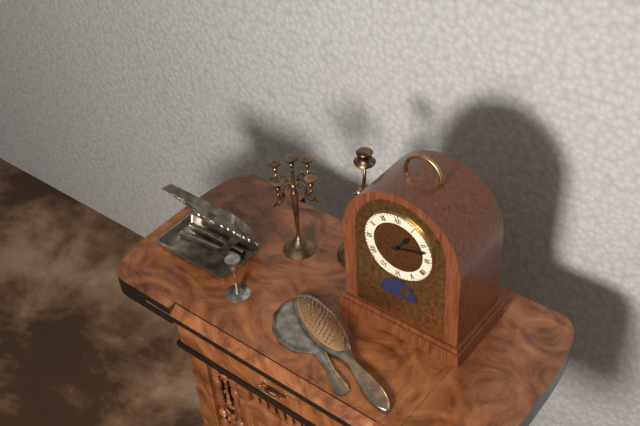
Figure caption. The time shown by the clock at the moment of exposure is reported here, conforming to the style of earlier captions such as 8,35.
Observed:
1,12
